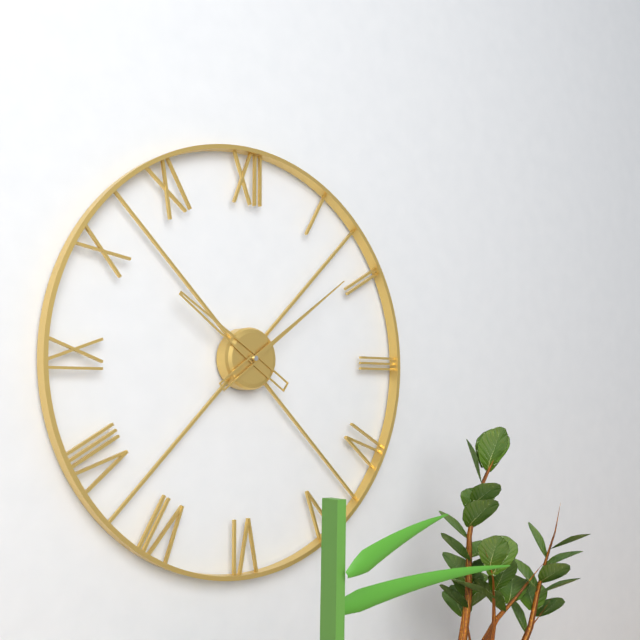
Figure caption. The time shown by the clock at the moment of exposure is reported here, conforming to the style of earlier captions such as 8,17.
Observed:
10,09
